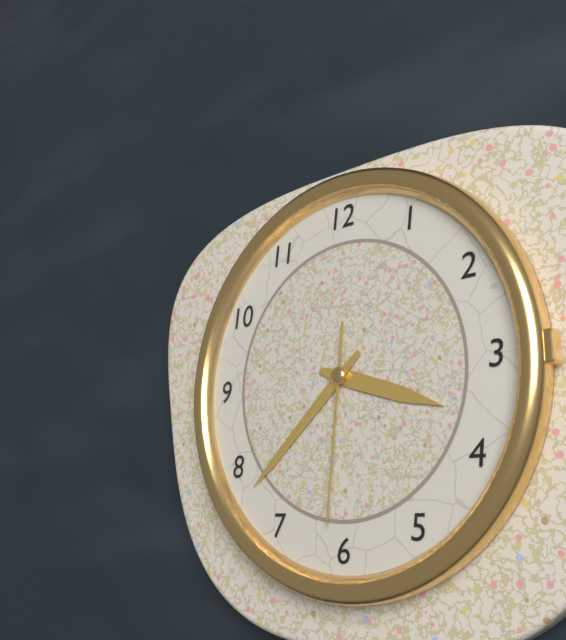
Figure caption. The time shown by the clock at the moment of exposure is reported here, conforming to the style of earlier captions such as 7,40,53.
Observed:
3,38,31
